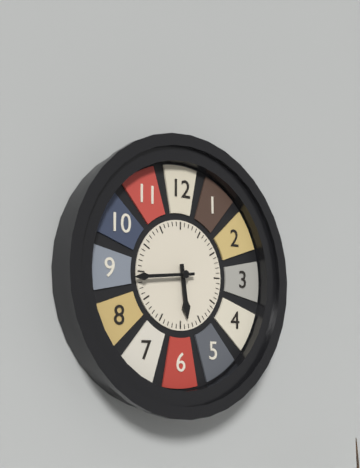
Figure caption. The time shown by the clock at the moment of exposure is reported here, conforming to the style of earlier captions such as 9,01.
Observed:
5,44
